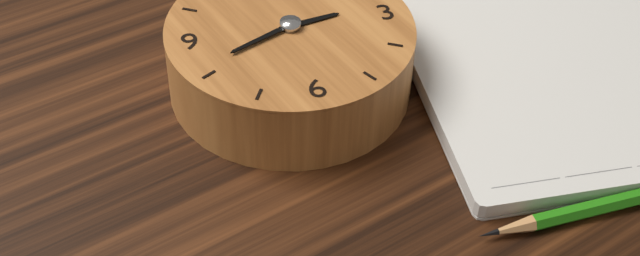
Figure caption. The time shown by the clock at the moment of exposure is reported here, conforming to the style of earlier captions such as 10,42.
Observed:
2,41
